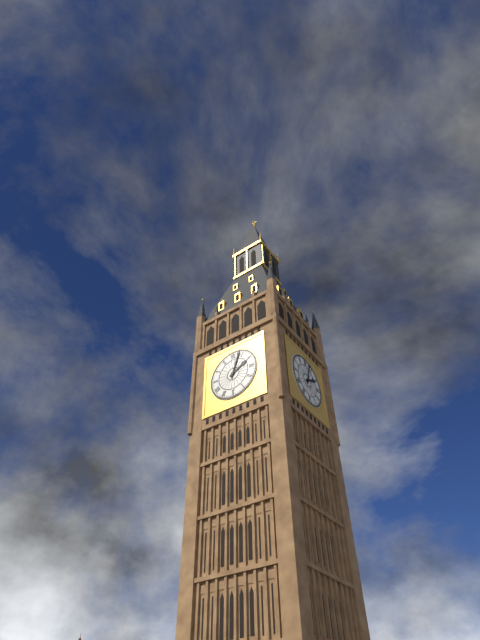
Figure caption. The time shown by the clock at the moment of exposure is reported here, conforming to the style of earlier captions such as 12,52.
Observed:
2,03
